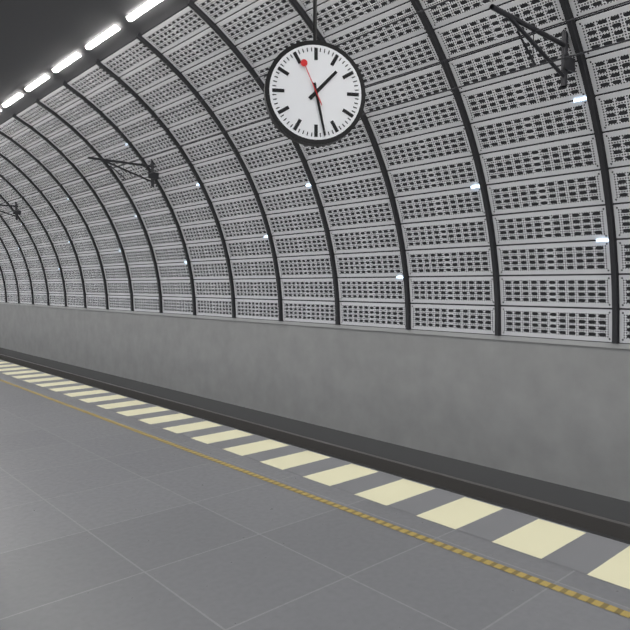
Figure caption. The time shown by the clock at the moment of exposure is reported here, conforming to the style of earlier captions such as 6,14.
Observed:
1,28
